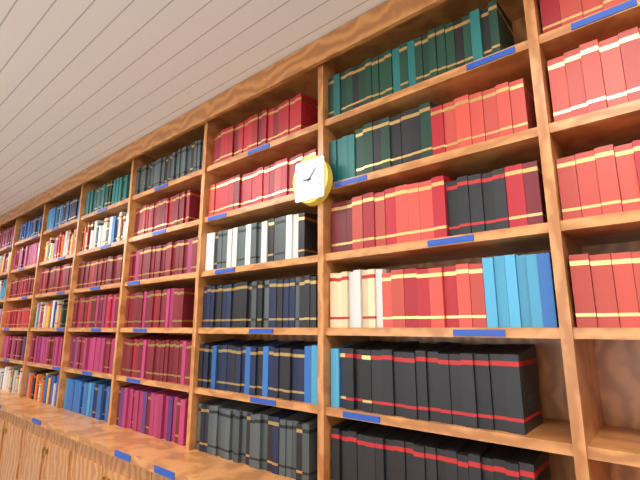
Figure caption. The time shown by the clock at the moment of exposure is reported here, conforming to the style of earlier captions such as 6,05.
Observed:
9,07
